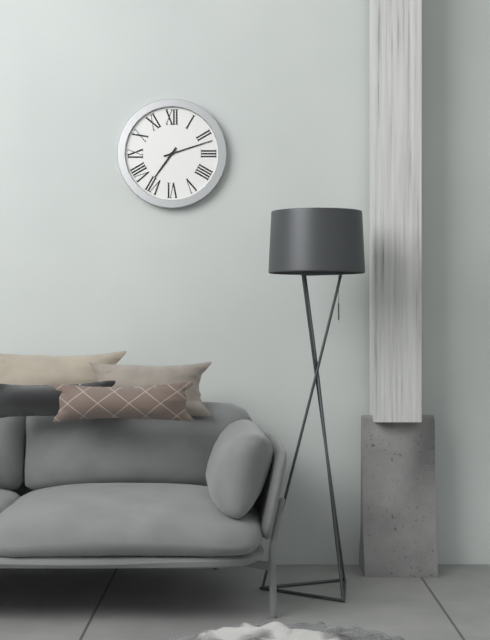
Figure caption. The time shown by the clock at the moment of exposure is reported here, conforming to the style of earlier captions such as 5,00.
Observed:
7,12
